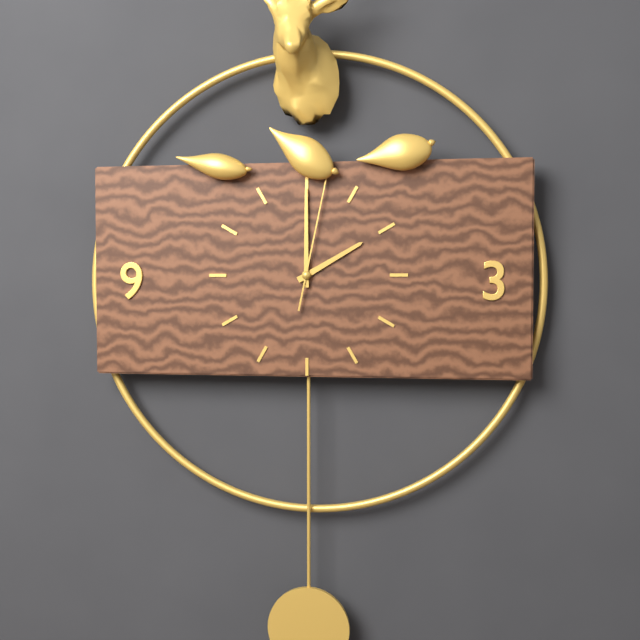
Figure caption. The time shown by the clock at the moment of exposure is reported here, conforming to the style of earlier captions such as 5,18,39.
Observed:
2,00,02
